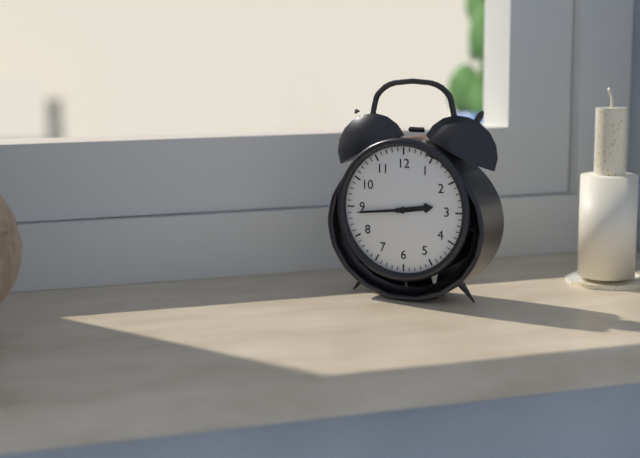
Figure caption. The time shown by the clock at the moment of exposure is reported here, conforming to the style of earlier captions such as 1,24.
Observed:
2,44
